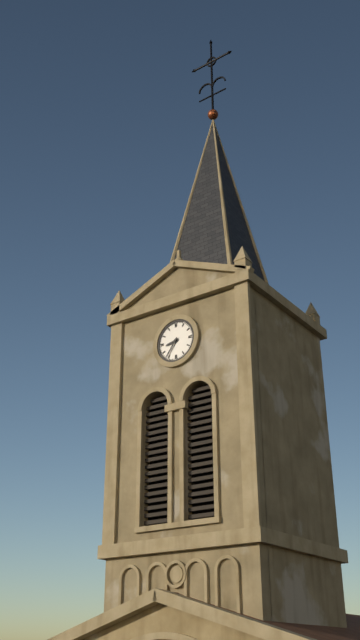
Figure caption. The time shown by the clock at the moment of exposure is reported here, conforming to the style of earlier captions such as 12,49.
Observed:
8,36
